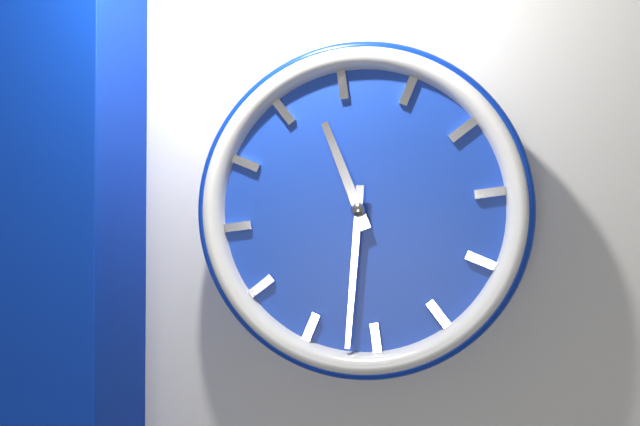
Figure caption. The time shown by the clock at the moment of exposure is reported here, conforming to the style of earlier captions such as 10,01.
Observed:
11,32
